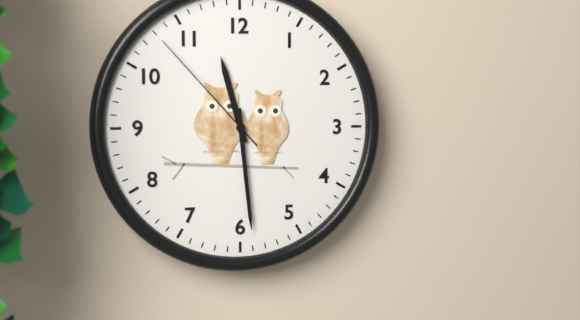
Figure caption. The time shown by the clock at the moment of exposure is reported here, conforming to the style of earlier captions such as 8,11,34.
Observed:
11,29,53
